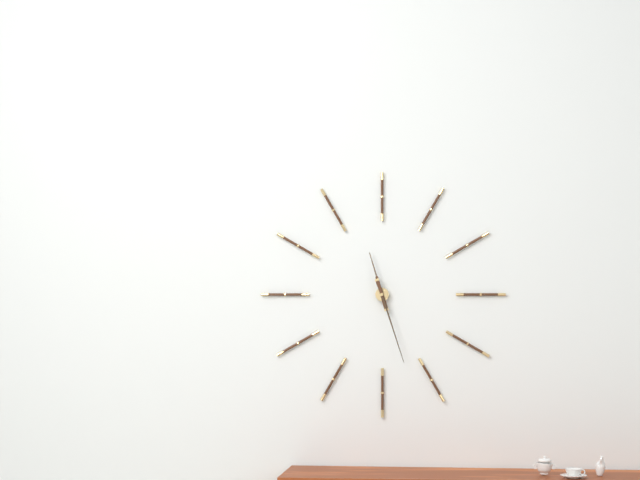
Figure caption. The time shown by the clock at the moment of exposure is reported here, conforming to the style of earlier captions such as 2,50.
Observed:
11,27
